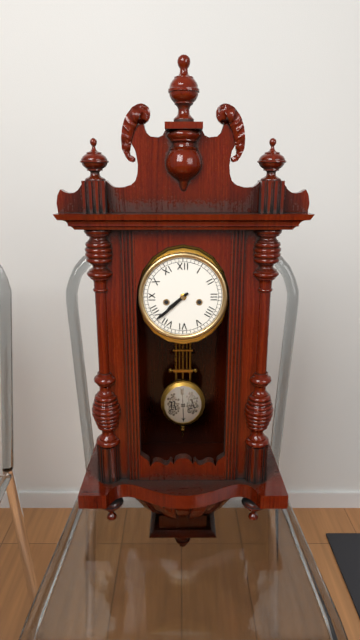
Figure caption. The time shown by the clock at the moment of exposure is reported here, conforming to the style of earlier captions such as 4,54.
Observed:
7,38
